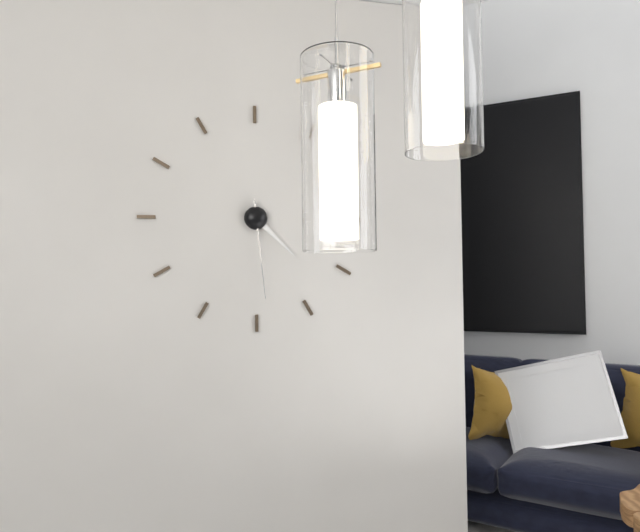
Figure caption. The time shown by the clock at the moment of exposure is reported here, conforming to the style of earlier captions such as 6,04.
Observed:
4,29
